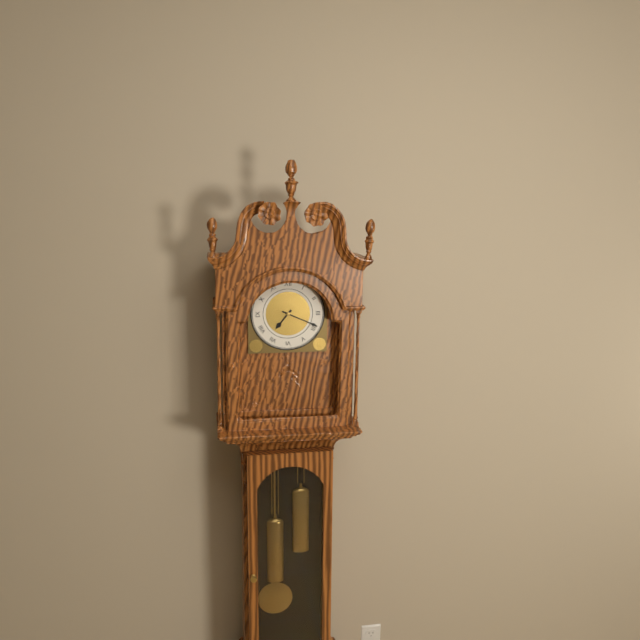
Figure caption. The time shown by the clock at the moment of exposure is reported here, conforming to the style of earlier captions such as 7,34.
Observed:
7,19
